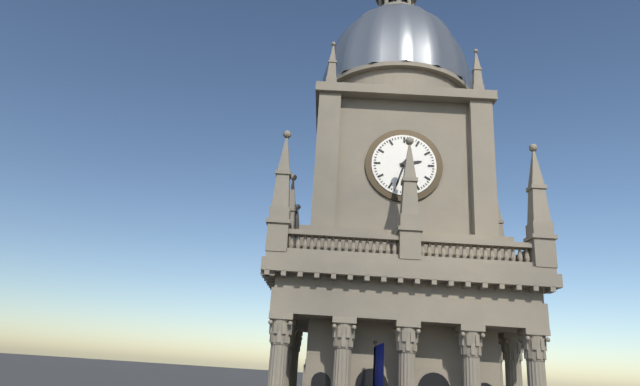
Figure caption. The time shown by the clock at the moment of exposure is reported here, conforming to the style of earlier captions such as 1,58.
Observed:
2,33
